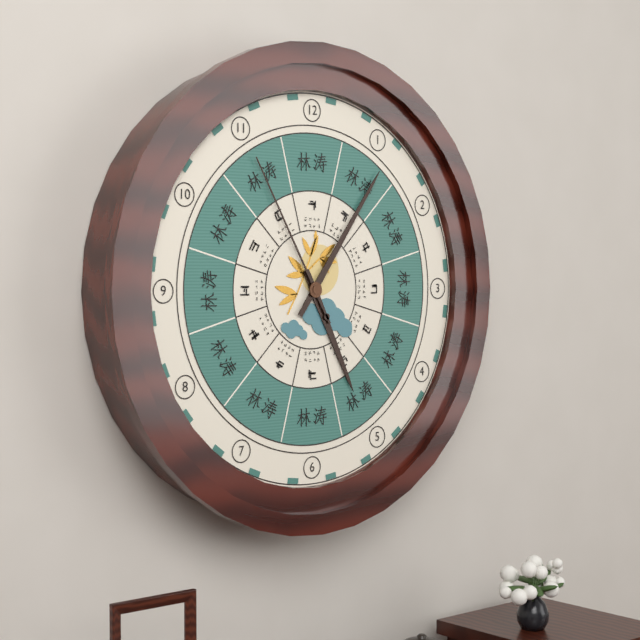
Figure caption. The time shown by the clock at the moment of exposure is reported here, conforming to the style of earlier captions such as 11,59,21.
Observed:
5,06,55
